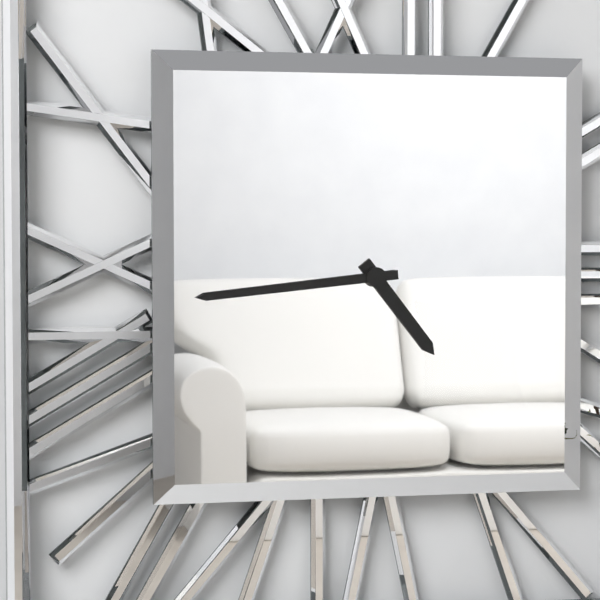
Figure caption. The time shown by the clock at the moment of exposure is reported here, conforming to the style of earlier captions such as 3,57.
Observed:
4,44
